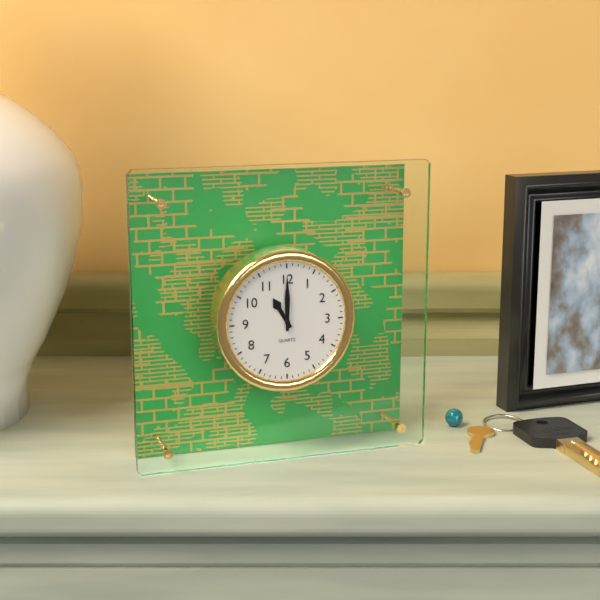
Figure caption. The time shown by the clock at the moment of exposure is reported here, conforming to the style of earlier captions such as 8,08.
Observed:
11,00
